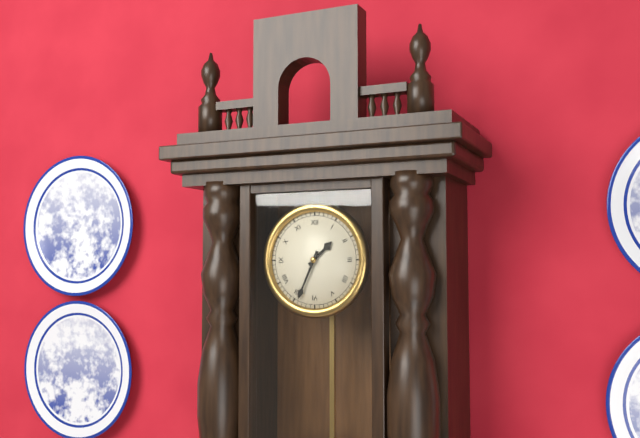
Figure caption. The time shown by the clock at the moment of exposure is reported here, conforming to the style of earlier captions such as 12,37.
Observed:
1,34
